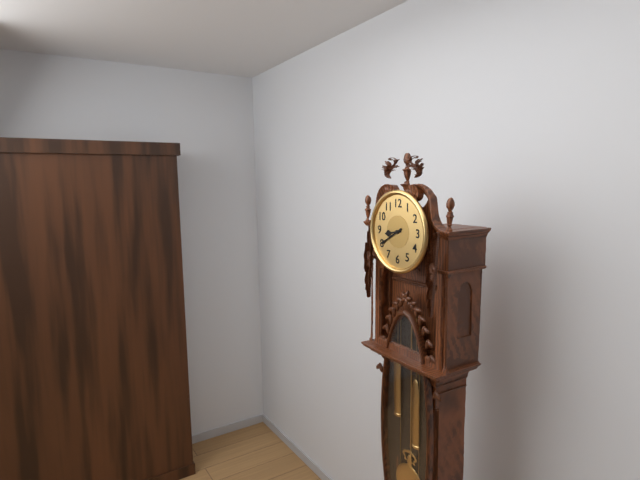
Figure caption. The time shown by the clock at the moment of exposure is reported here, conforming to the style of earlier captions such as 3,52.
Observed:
8,40
